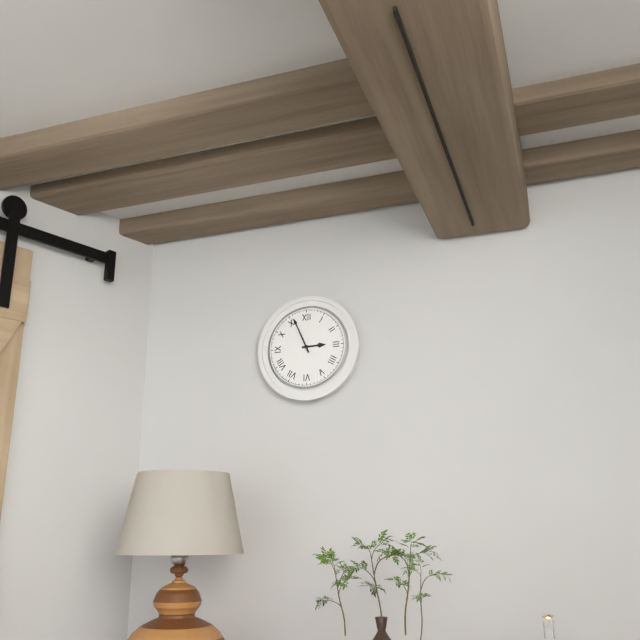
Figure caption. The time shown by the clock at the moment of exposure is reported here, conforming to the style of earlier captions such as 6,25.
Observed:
2,56
